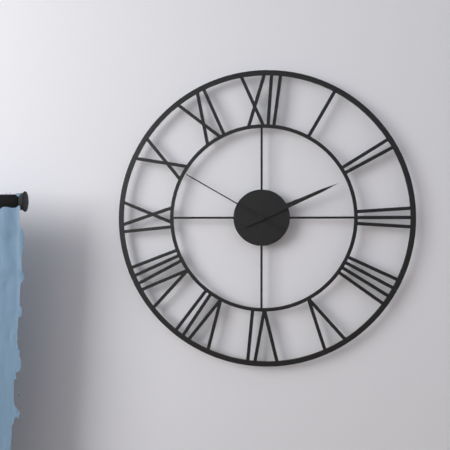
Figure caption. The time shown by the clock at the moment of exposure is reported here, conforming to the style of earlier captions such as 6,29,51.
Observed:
2,11,50
